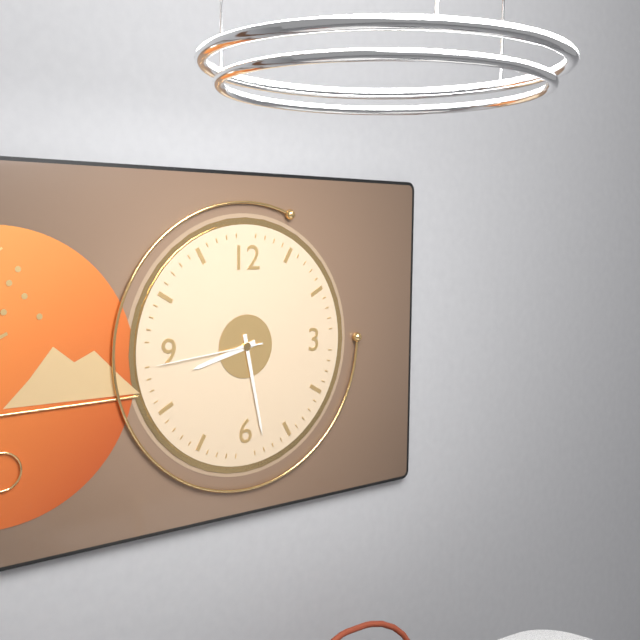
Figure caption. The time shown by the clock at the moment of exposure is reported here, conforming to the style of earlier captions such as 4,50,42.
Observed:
8,28,44
